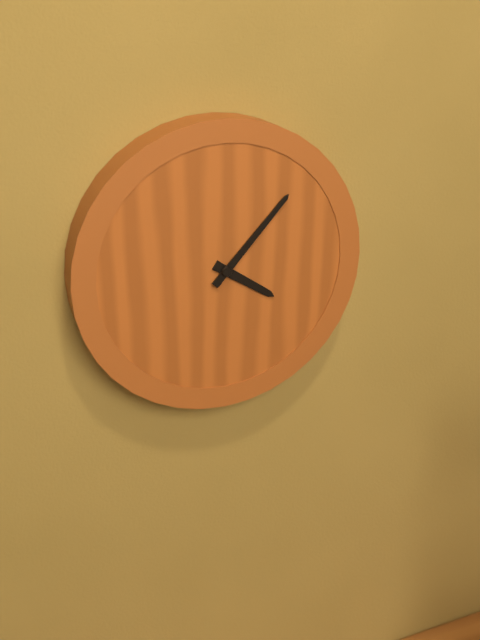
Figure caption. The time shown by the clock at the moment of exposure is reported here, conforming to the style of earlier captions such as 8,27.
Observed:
4,07
